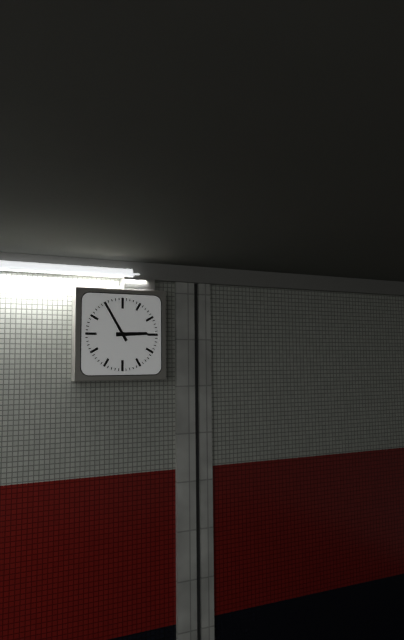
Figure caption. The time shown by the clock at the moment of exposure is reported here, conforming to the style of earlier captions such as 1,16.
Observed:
2,55
